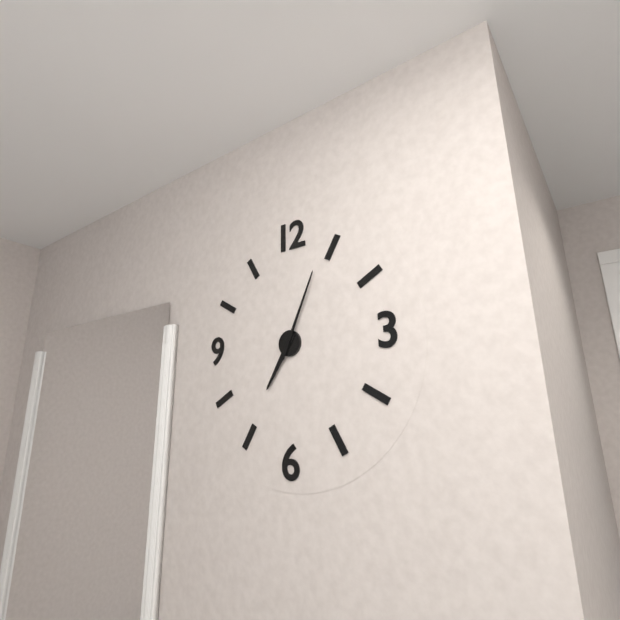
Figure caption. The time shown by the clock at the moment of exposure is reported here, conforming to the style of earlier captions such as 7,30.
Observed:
7,04
